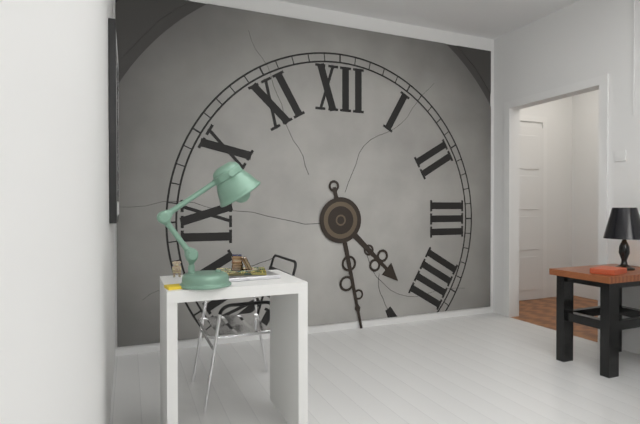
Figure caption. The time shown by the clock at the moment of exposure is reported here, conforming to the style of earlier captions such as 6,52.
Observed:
4,28
